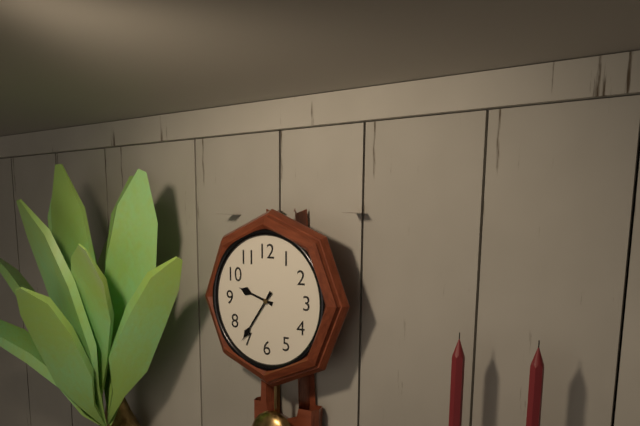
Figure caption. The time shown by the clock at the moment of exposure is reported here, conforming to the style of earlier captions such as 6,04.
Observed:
9,36
